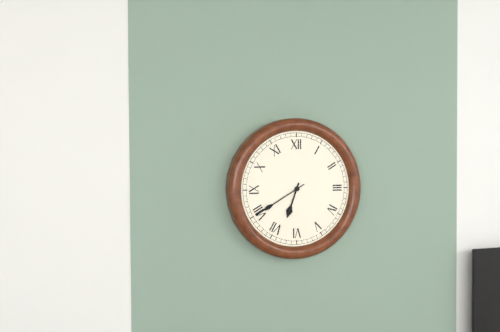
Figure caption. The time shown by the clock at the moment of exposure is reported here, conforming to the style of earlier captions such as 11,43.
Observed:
6,40
